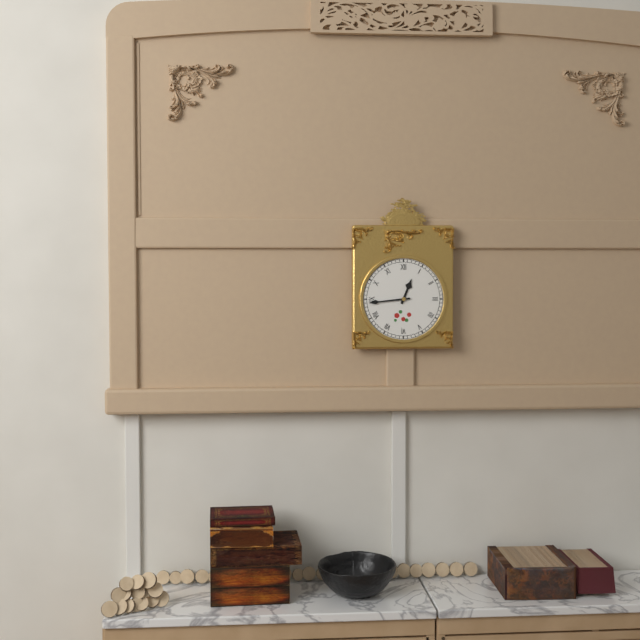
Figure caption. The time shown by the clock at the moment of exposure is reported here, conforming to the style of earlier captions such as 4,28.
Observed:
12,44
